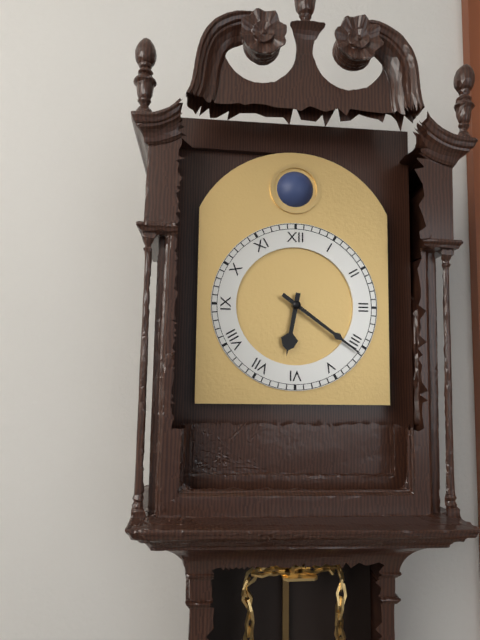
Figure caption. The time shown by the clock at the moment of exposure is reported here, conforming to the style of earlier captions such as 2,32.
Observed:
6,21
